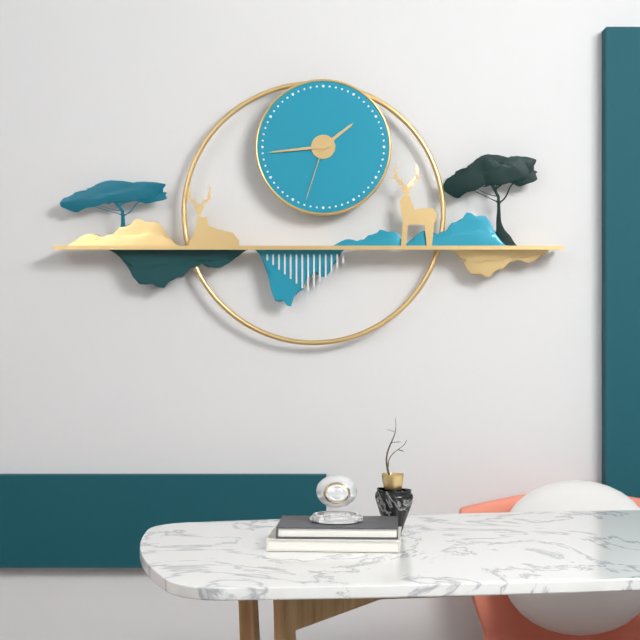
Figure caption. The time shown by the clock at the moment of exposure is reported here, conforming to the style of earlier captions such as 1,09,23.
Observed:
1,44,33
